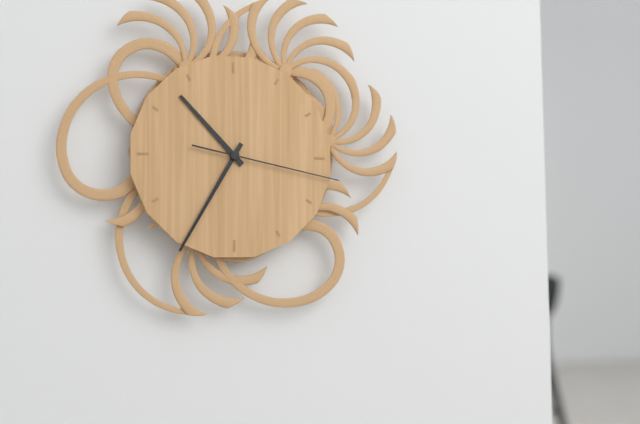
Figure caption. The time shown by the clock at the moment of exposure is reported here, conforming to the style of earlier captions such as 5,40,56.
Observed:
10,35,17
